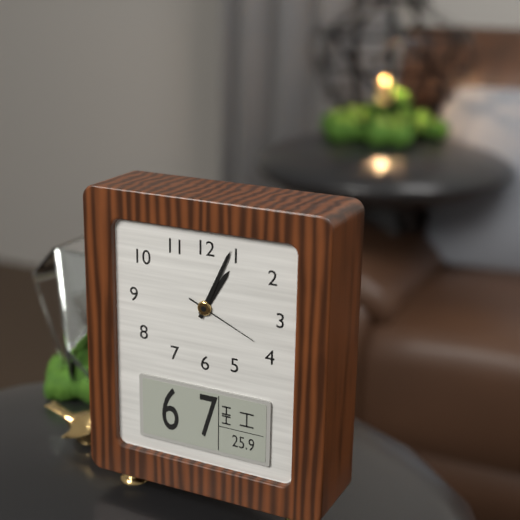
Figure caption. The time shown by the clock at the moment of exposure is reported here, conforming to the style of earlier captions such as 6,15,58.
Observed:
1,04,19
